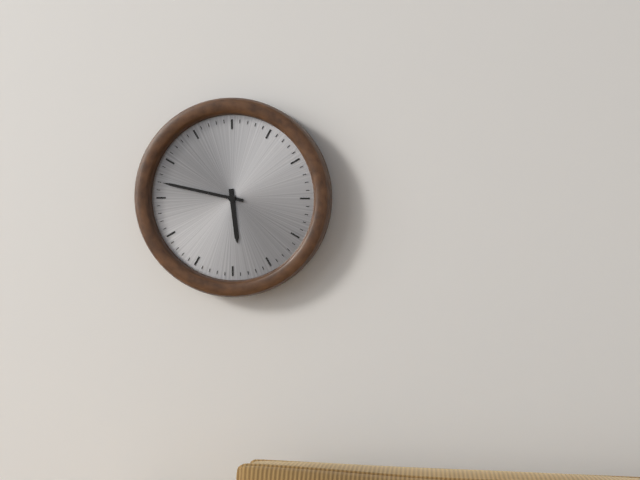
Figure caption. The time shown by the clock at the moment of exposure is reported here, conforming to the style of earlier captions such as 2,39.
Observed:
5,47
